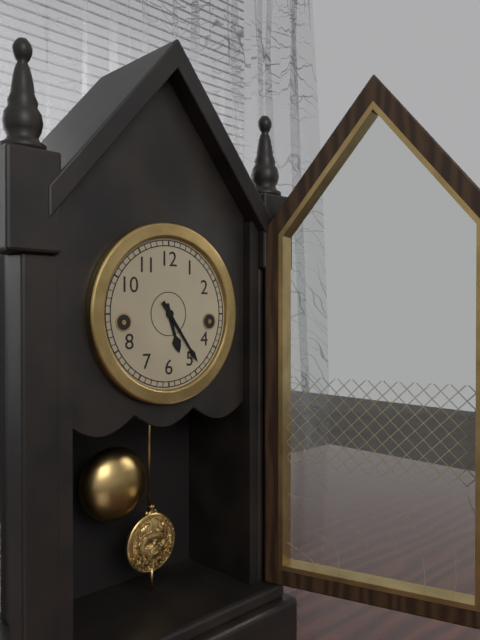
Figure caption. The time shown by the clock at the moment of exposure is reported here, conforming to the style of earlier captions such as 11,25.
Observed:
5,24
